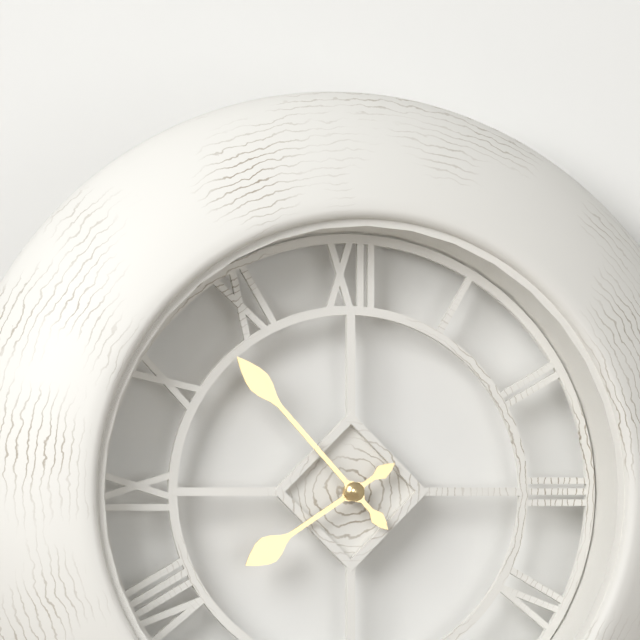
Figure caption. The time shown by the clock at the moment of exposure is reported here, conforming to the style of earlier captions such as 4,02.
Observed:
7,53
